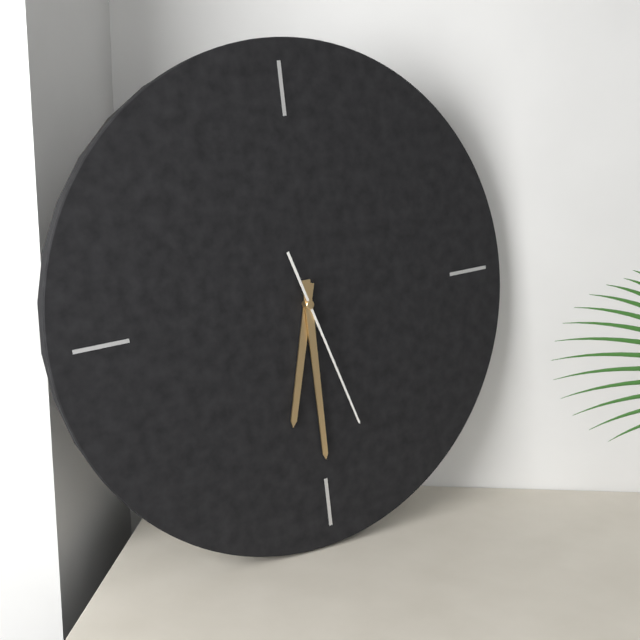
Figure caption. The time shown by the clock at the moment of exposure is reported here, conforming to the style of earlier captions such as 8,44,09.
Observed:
6,30,27
